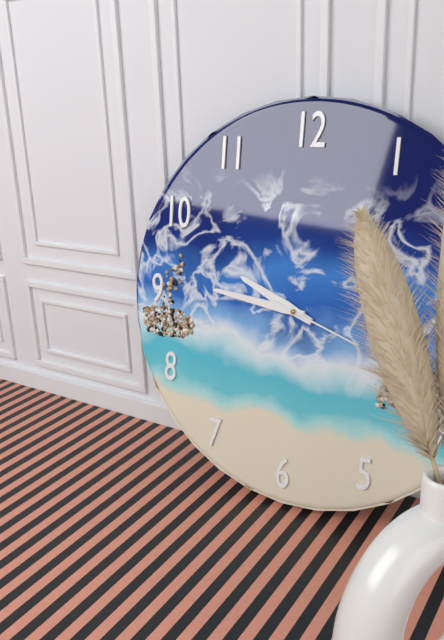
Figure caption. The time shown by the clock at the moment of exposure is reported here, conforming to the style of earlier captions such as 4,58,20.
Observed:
9,46,18
